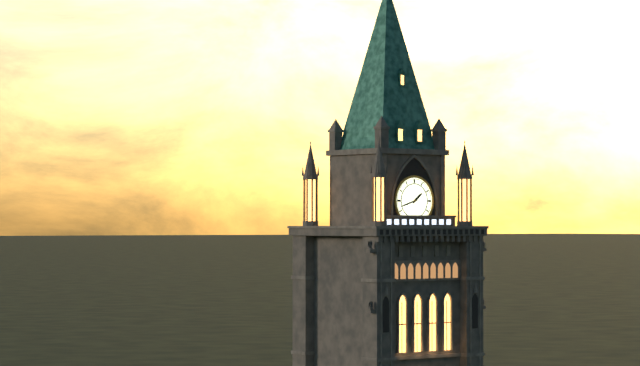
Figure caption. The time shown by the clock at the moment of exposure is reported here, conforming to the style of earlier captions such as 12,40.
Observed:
1,42
